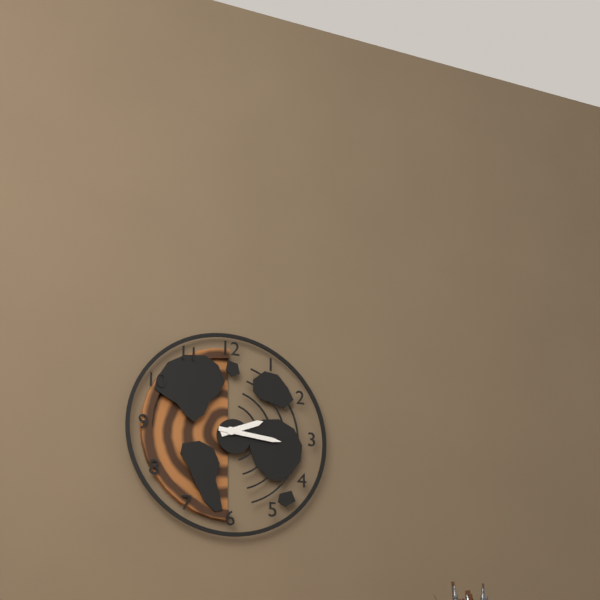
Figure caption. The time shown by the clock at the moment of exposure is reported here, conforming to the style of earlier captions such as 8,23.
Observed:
2,16
